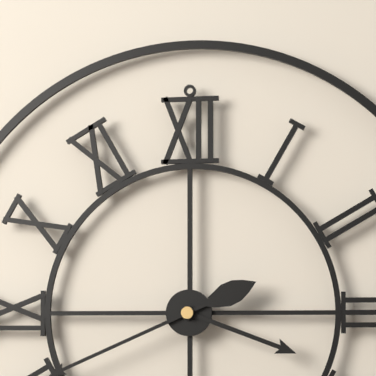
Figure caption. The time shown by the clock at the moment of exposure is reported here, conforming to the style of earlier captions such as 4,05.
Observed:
3,41
